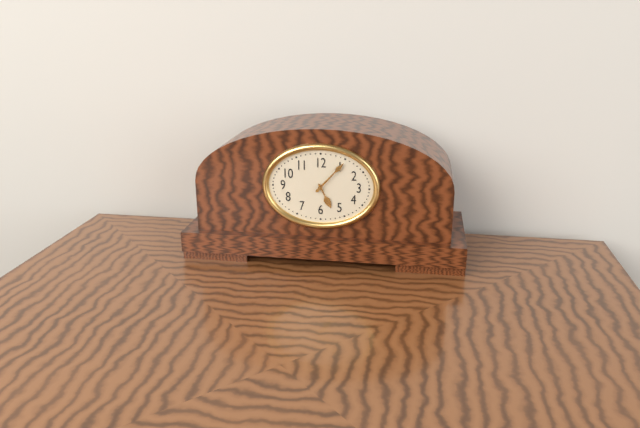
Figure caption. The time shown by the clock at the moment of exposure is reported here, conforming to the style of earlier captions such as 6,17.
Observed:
5,07
